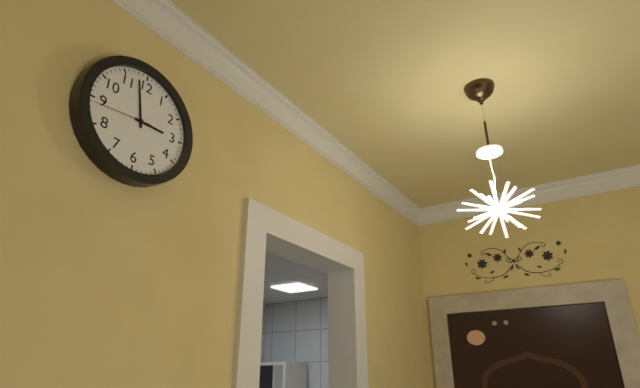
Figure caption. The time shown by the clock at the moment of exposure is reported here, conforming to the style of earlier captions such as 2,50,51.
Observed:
2,58,44
